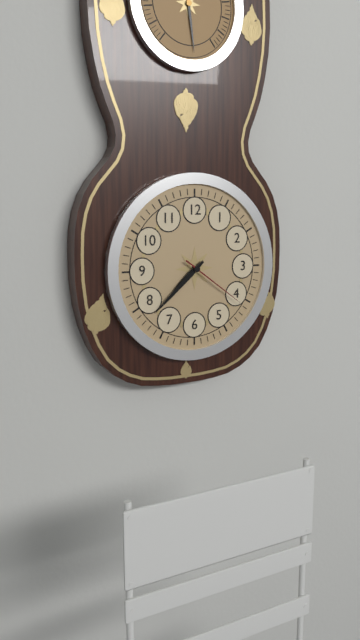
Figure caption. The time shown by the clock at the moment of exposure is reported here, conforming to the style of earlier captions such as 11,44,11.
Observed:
7,38,21
